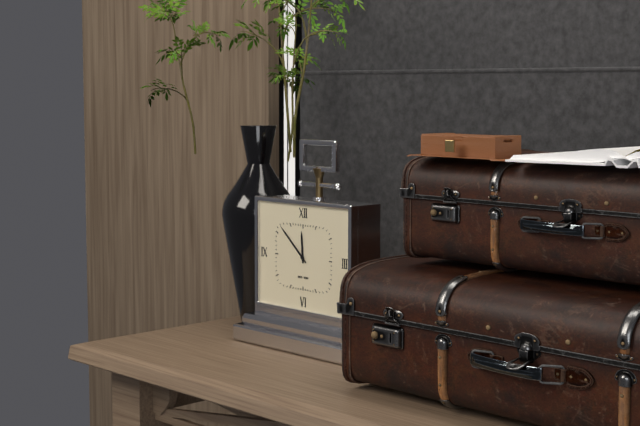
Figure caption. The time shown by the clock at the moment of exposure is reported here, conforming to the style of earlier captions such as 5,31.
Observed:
11,52
